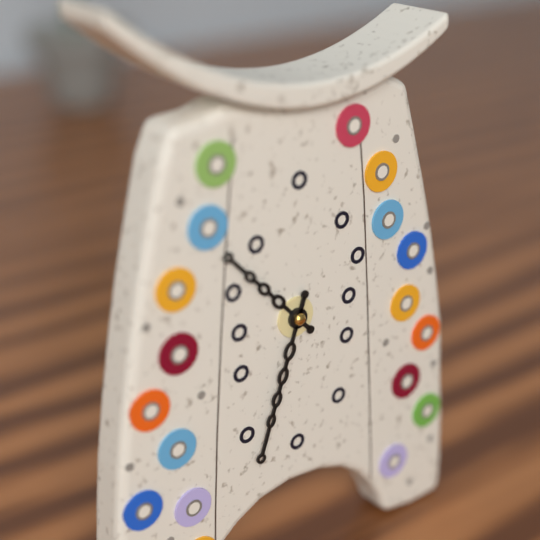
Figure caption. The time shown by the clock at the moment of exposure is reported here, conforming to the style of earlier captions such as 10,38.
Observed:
10,33
